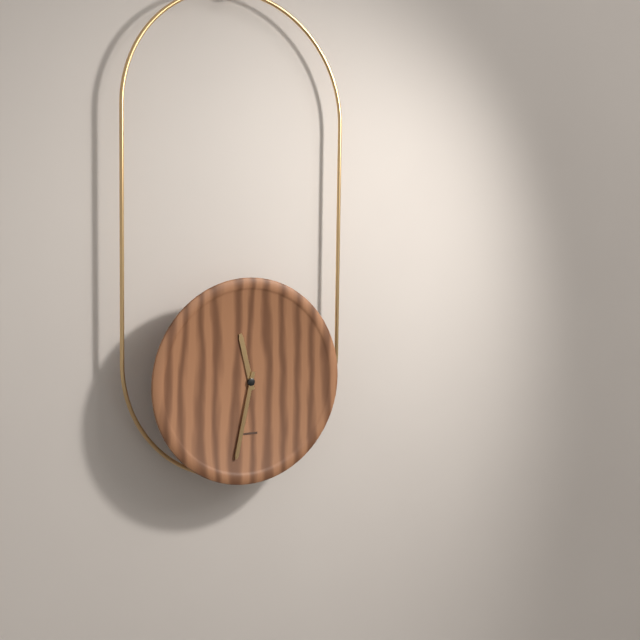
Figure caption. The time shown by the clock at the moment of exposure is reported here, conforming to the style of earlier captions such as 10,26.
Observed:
11,32
